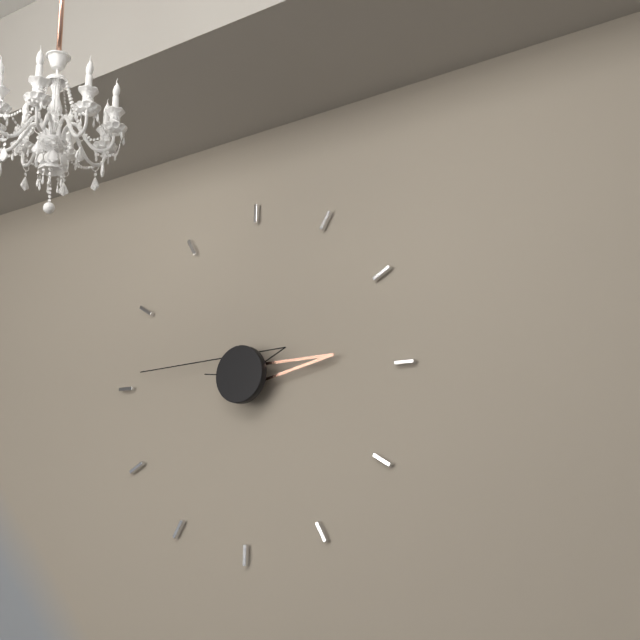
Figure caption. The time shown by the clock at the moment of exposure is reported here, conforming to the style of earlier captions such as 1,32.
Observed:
2,46
